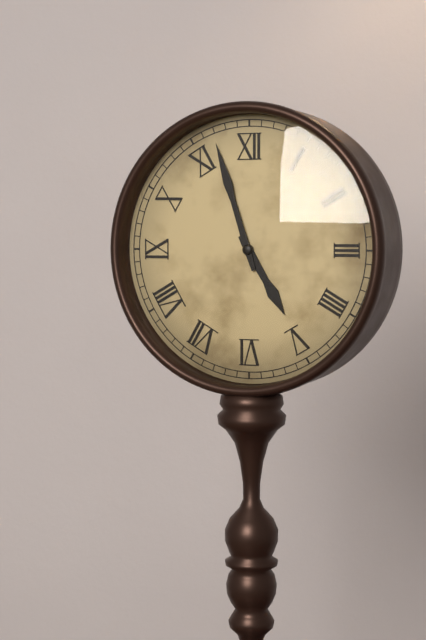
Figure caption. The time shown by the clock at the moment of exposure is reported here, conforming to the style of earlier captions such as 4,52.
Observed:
4,57
